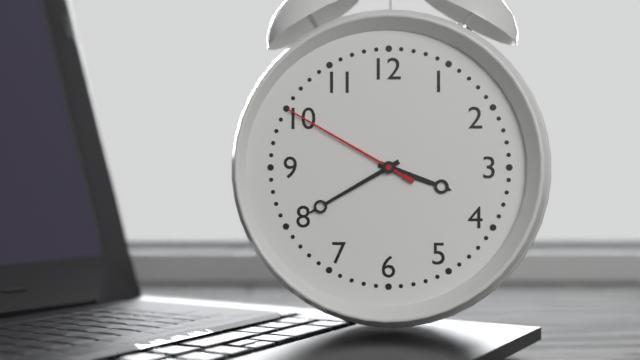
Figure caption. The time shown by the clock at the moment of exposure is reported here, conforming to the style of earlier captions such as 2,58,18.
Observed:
3,40,50
